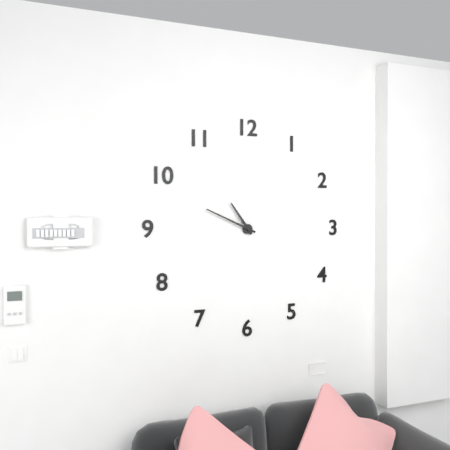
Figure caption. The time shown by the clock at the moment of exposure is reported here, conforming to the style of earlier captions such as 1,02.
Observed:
10,49
